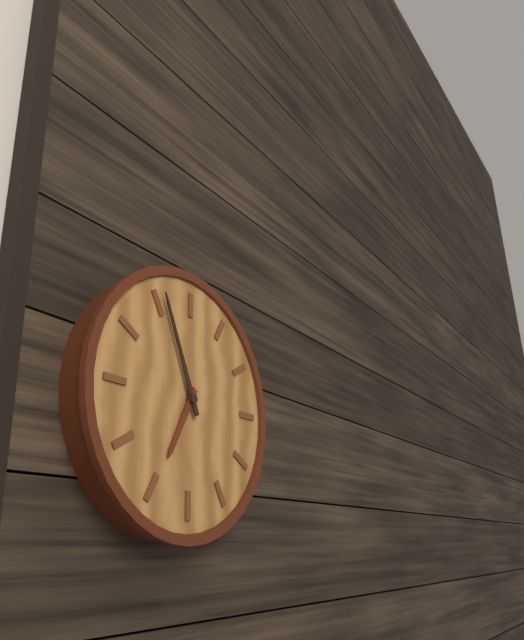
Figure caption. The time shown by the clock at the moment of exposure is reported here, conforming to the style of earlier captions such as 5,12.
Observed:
6,56
